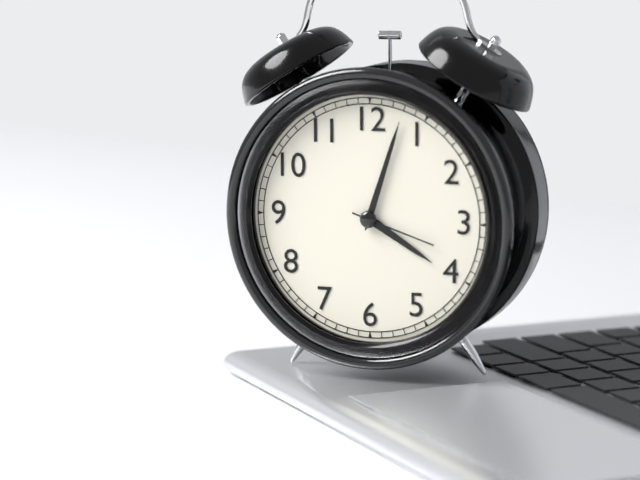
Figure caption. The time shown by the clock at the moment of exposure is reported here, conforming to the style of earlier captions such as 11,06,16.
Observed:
4,03,18
